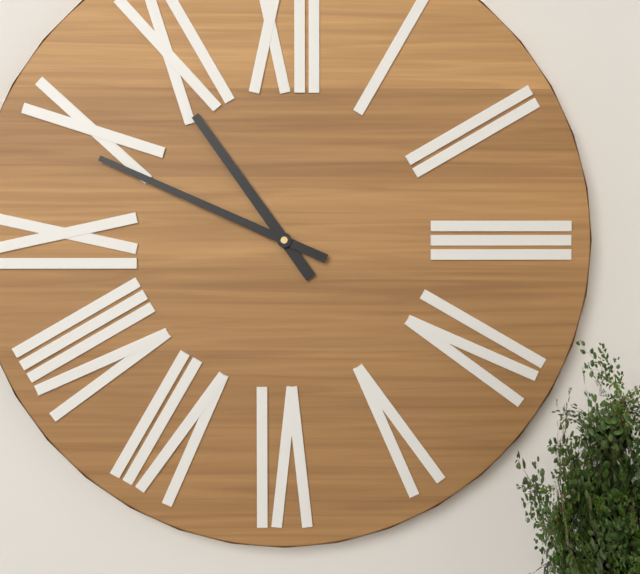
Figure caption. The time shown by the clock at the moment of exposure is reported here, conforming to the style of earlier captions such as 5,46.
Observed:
10,49
